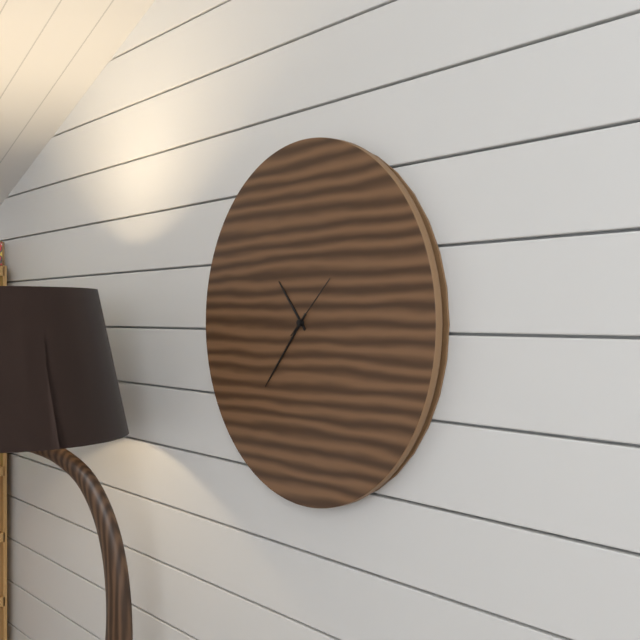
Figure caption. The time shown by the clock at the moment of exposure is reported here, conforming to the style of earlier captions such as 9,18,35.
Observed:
10,37,08
